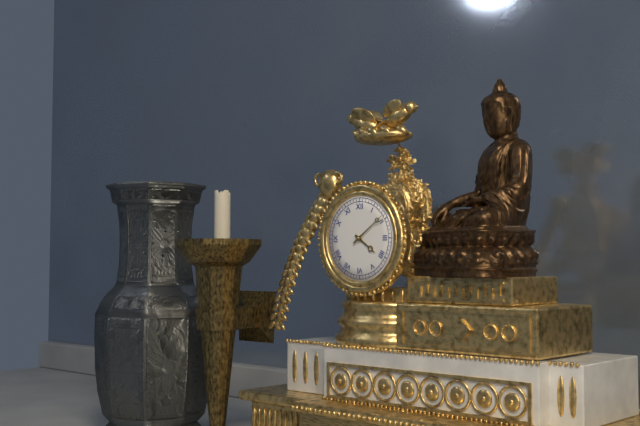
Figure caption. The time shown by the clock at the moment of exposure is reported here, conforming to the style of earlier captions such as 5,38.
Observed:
4,09
